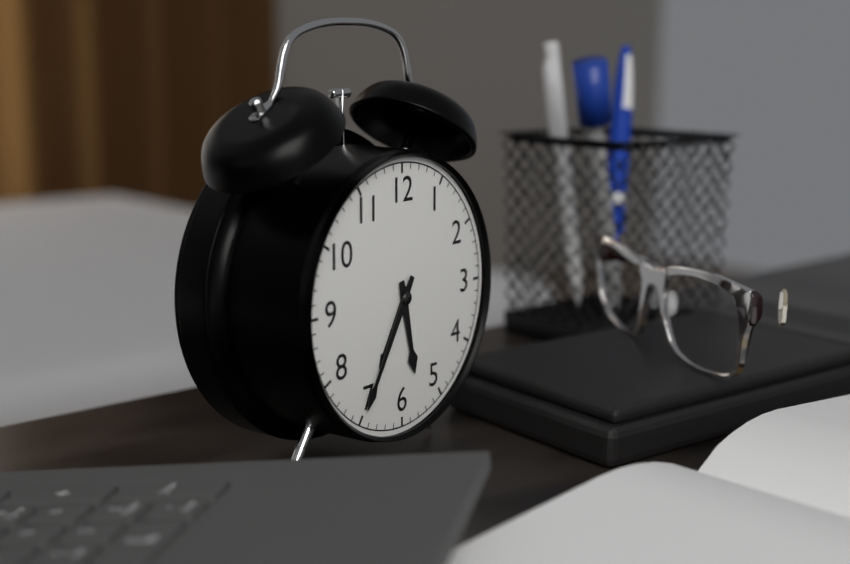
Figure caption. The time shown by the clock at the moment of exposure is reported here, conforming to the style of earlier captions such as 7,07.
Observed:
5,35
